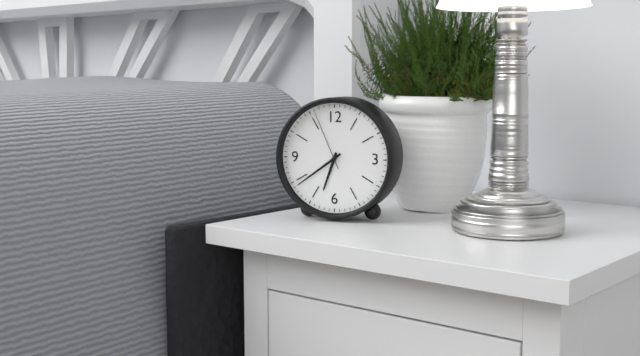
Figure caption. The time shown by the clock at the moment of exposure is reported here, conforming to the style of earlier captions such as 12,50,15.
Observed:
6,39,56
